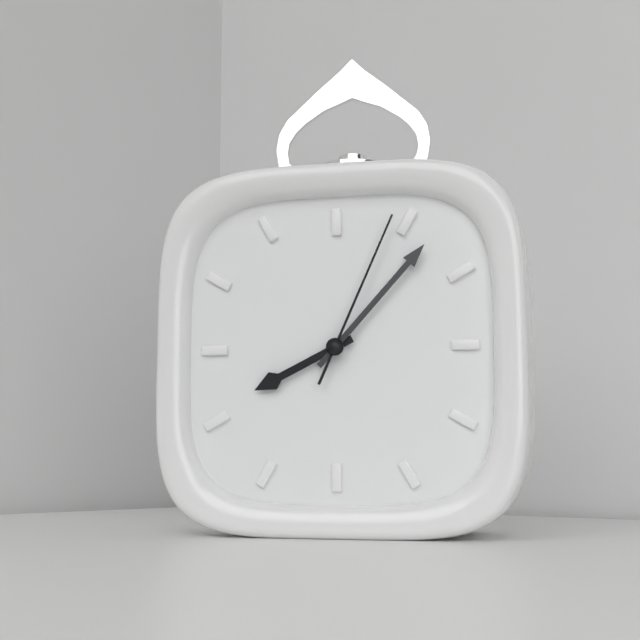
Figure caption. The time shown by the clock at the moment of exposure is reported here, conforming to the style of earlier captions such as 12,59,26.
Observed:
8,07,04
